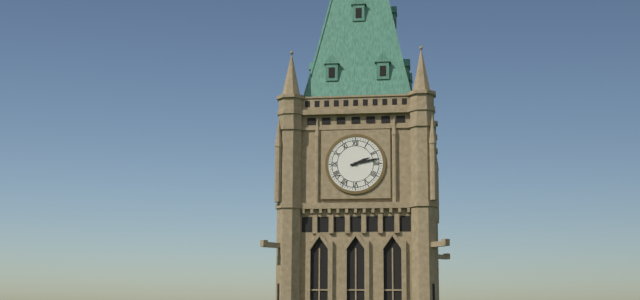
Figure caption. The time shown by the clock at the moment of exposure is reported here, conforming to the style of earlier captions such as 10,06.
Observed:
2,13
